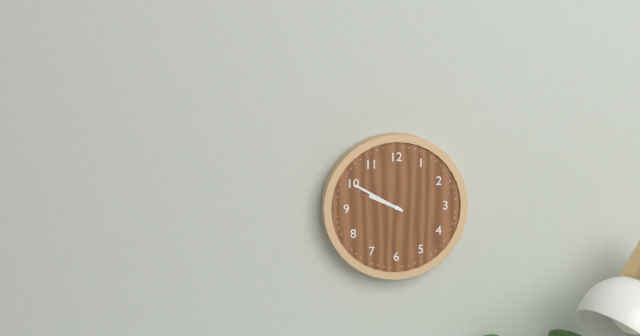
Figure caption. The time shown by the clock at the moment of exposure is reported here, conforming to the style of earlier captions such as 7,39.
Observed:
9,50
